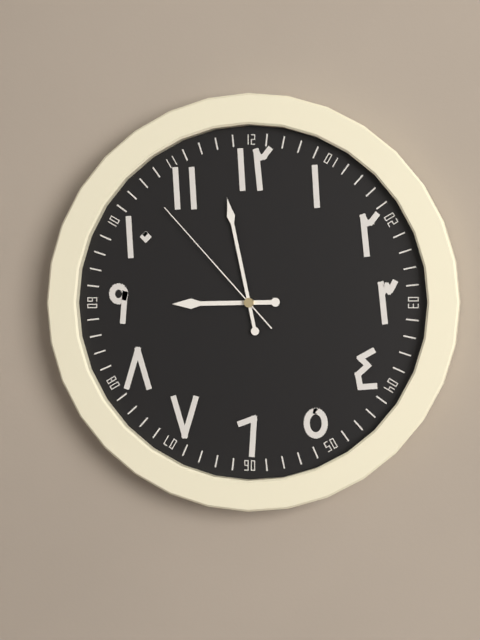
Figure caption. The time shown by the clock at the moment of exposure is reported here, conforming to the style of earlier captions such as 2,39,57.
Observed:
8,58,53
